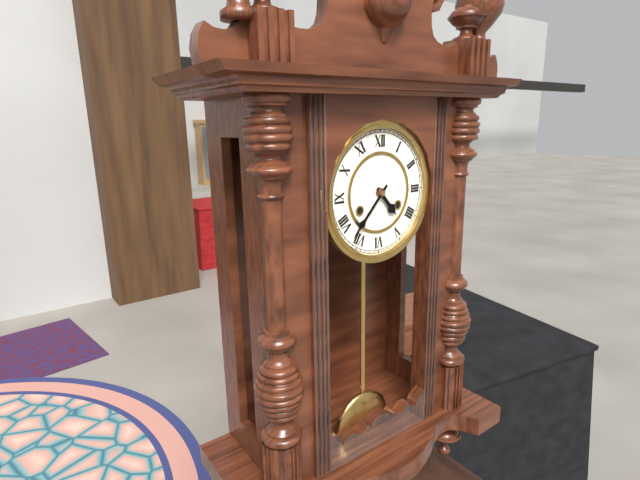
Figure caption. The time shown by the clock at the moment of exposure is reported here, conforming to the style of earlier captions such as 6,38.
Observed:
4,37
